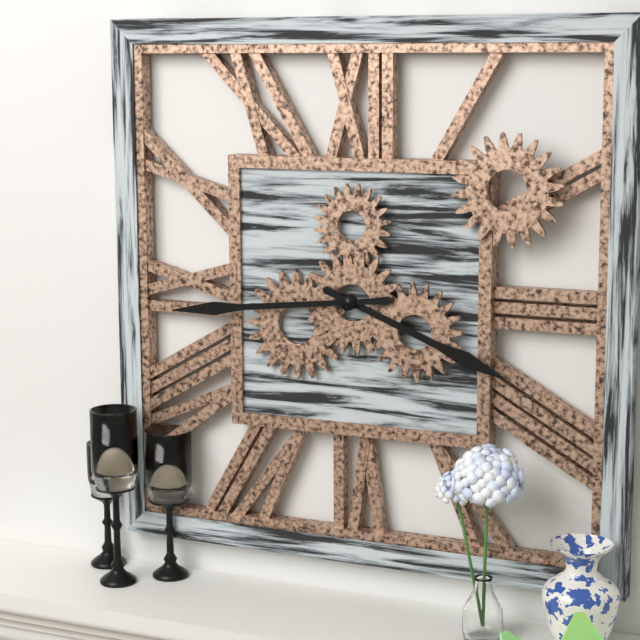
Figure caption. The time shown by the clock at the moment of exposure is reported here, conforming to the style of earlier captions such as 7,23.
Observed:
3,44
